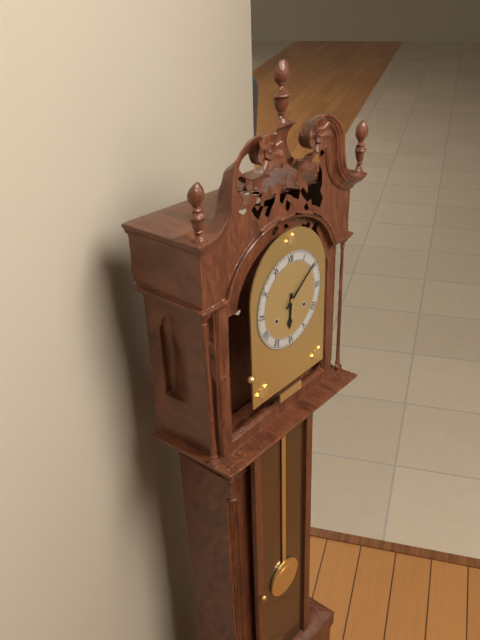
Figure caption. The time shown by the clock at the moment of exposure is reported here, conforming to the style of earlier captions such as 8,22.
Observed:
6,09
